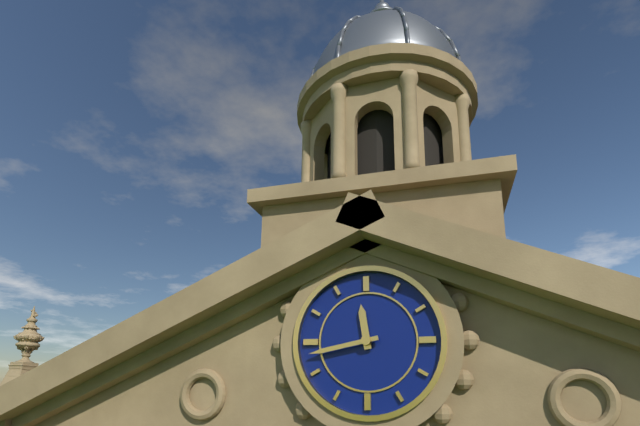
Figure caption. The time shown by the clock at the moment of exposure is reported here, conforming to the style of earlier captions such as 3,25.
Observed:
11,43
